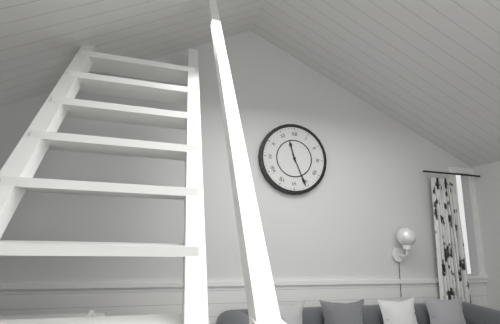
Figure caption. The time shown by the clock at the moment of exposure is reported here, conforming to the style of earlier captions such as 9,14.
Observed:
11,26
